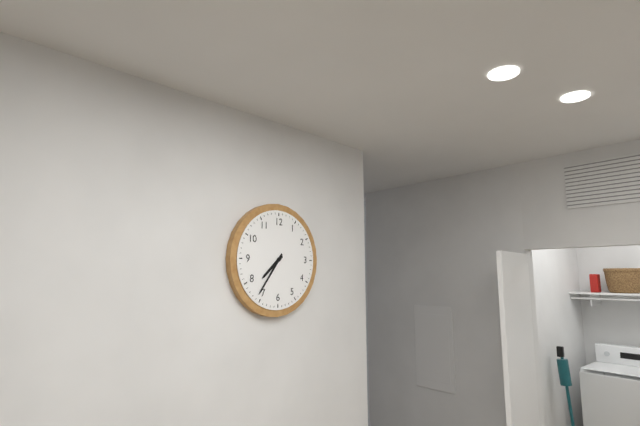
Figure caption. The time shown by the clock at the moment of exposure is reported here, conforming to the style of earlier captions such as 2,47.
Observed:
7,36
